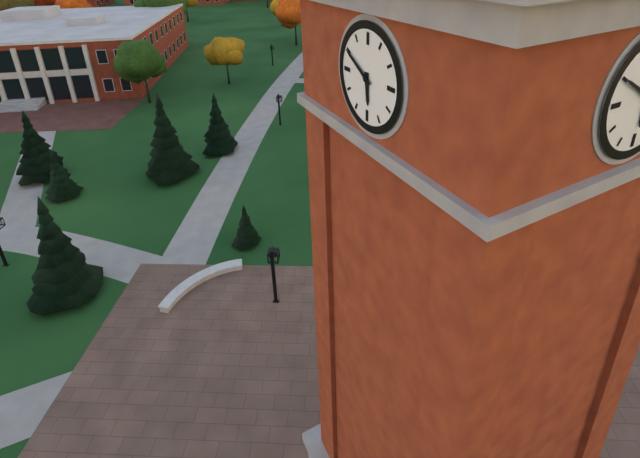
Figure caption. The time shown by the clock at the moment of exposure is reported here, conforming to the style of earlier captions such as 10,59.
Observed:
5,50
